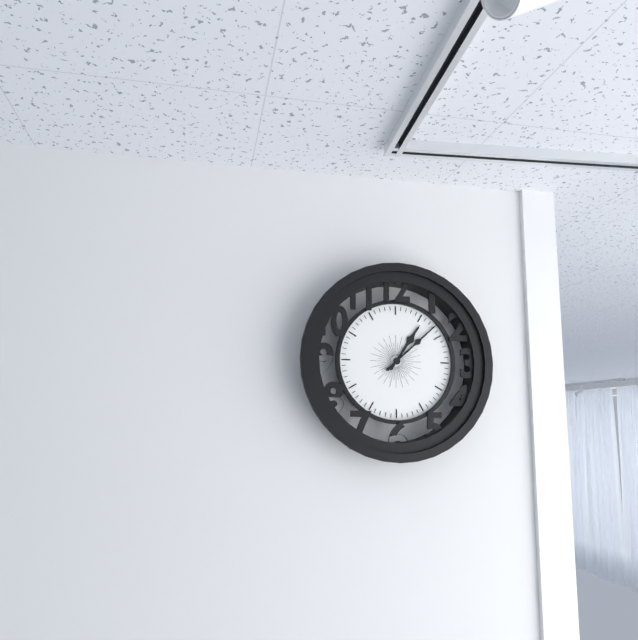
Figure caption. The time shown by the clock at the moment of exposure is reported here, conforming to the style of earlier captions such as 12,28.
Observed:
1,08
